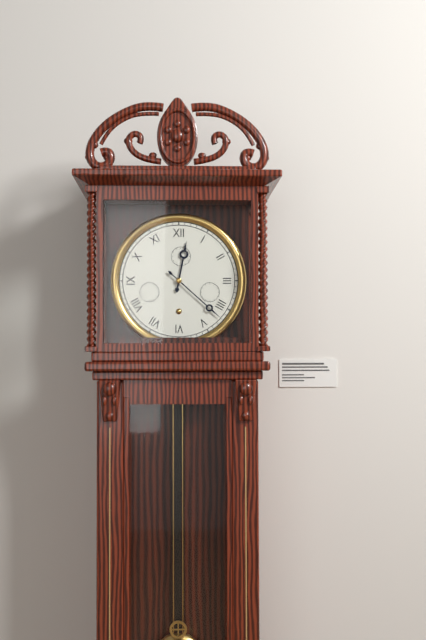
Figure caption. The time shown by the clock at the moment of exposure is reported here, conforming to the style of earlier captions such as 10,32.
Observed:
12,22
